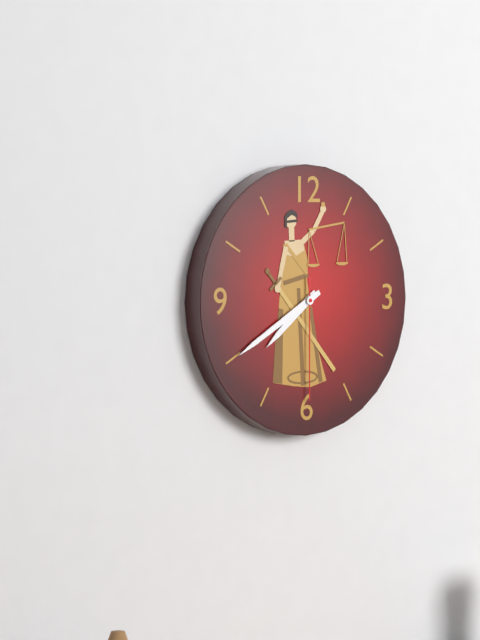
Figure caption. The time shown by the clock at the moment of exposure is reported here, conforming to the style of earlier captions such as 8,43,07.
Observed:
7,40,30
